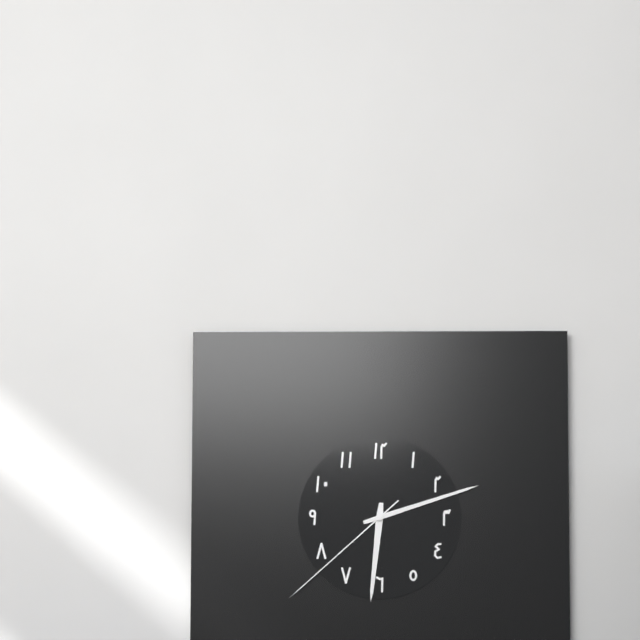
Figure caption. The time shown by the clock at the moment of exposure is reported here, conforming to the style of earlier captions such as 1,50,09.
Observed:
6,12,38
